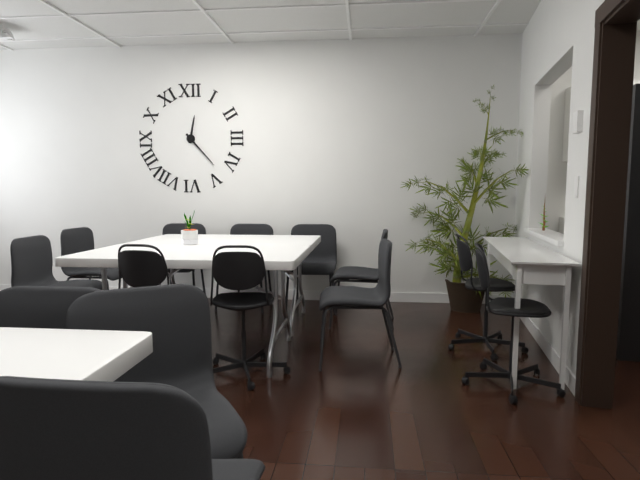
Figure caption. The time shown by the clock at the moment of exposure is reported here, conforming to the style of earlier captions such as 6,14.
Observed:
12,23
